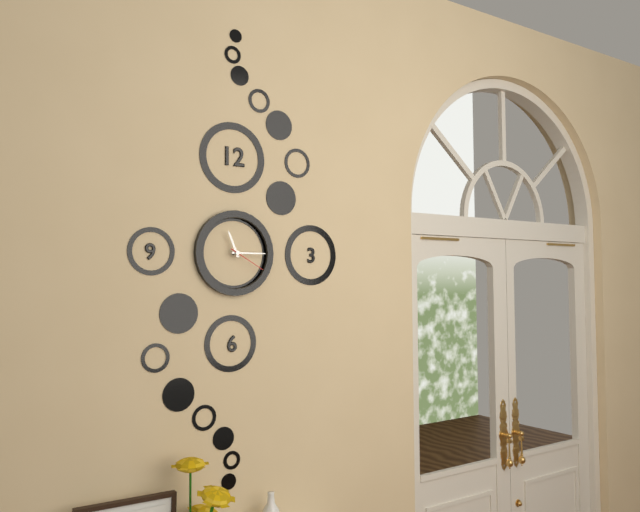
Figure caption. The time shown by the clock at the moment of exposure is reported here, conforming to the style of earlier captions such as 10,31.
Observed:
11,15
